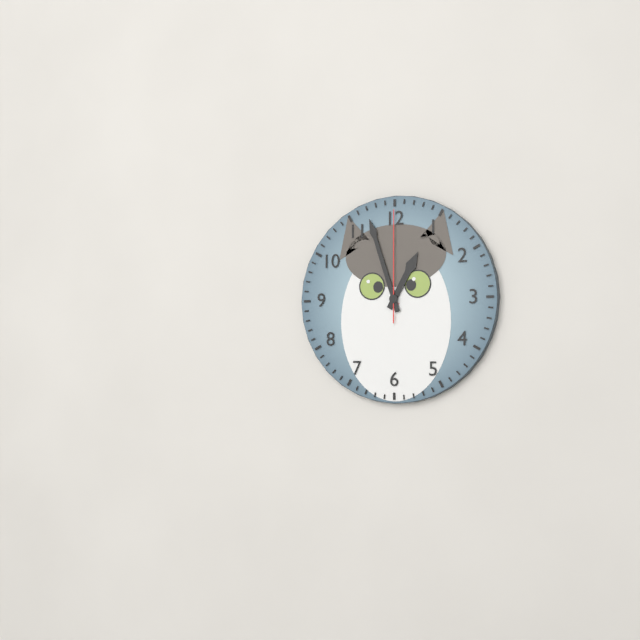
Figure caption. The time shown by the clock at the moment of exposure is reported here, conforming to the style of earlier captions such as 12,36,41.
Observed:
12,57,00
